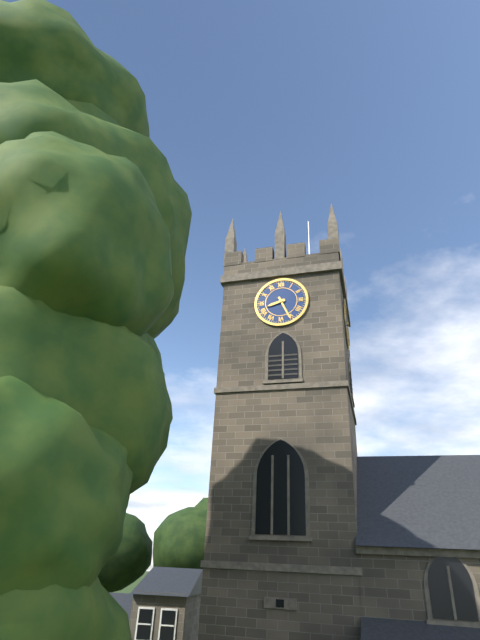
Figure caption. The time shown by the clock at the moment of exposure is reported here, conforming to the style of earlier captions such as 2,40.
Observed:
8,26
